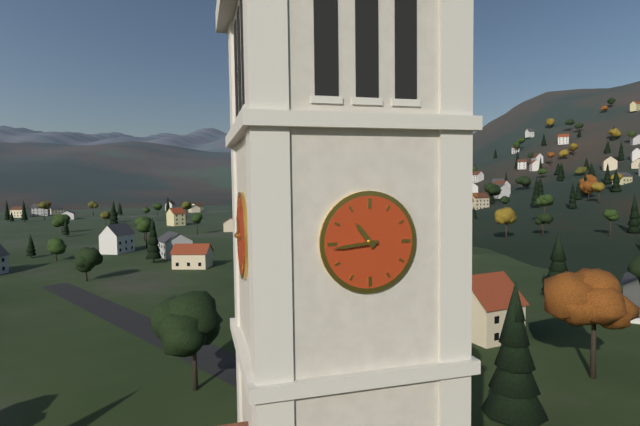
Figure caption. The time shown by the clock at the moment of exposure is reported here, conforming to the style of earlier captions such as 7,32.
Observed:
10,44
